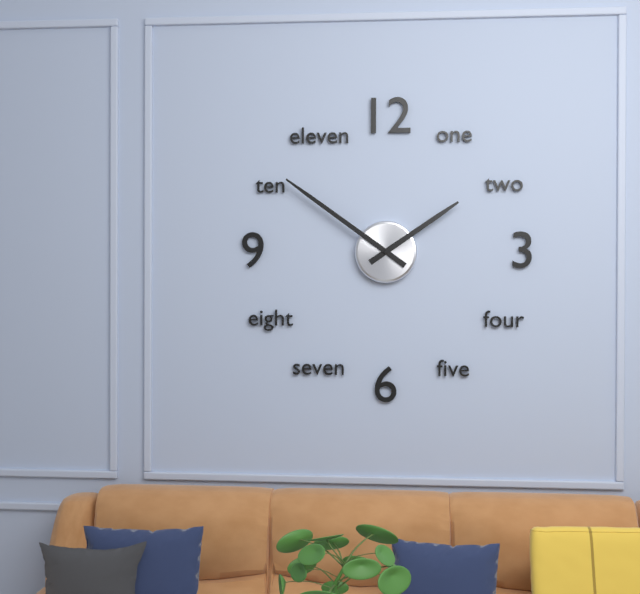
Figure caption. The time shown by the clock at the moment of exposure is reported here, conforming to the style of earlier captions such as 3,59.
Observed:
1,51
